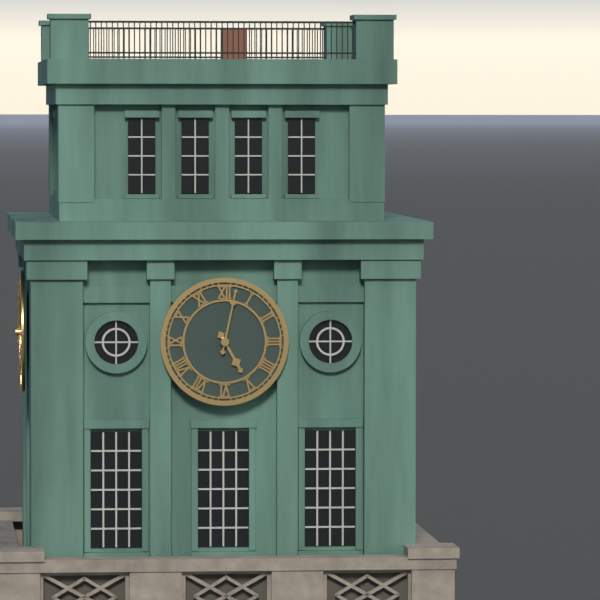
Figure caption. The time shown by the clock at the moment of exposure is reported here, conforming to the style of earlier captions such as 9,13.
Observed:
5,02
